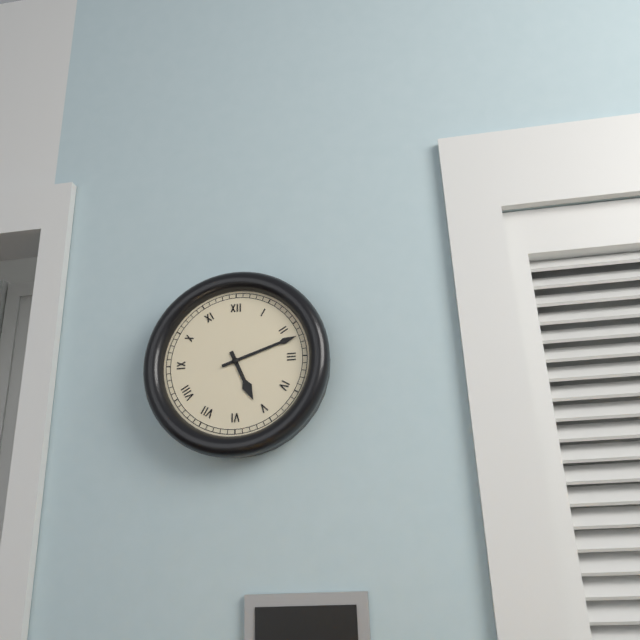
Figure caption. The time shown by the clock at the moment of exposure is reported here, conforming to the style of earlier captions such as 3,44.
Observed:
5,12
